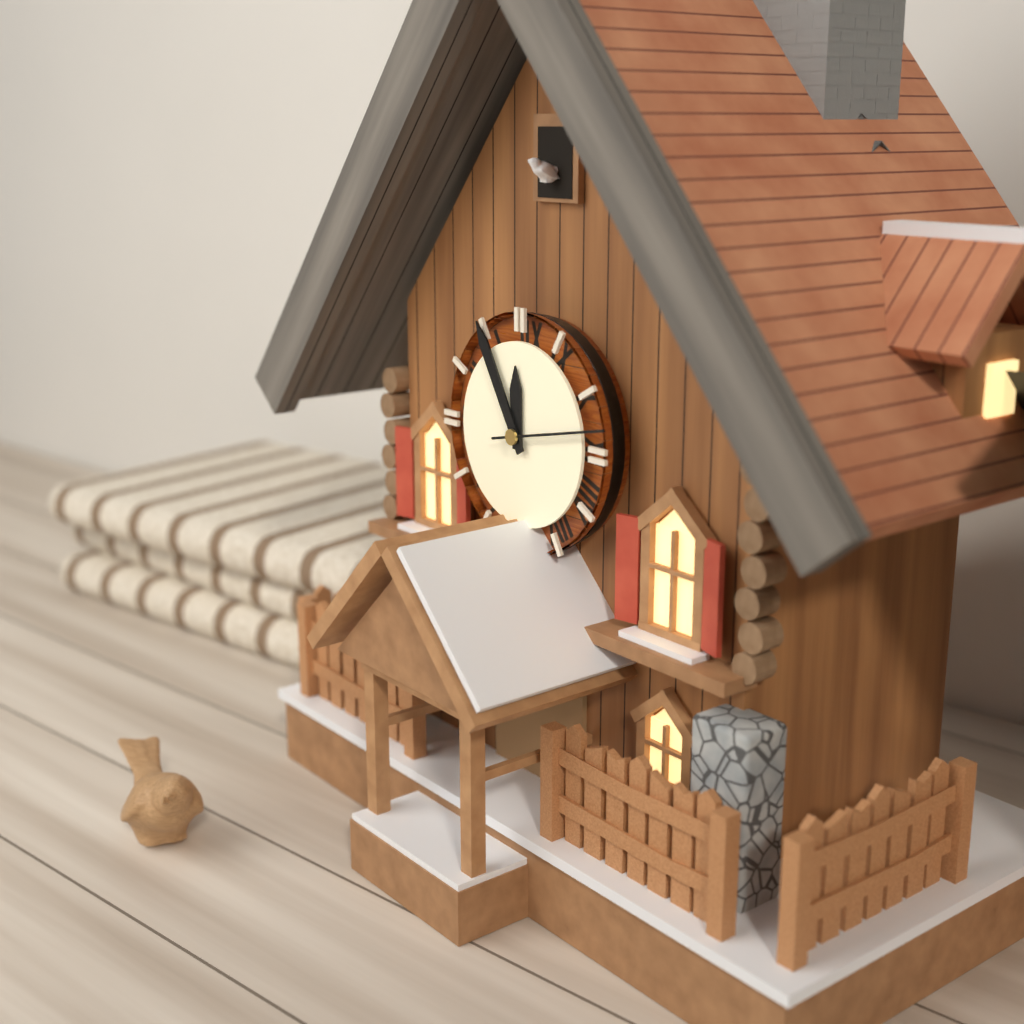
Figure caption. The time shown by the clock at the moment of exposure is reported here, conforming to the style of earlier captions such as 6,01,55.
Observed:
11,55,13
